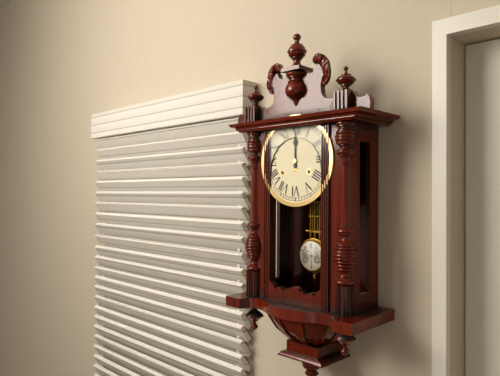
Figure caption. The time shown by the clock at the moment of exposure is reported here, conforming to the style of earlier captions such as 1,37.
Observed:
12,00
